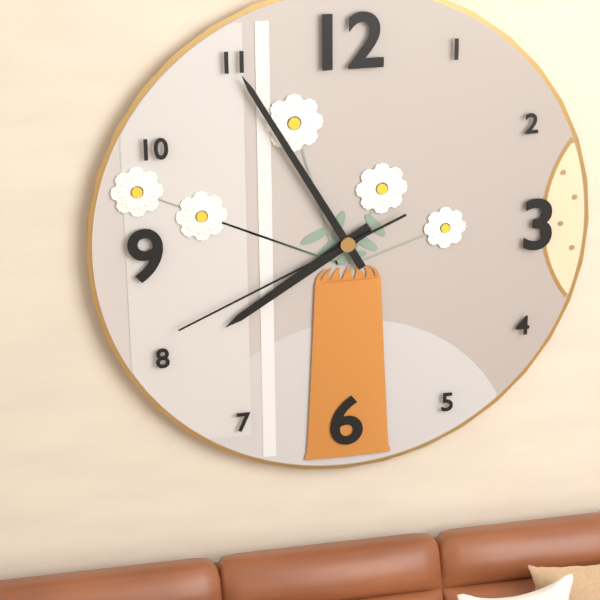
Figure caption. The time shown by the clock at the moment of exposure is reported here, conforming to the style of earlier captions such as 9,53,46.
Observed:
7,55,41
